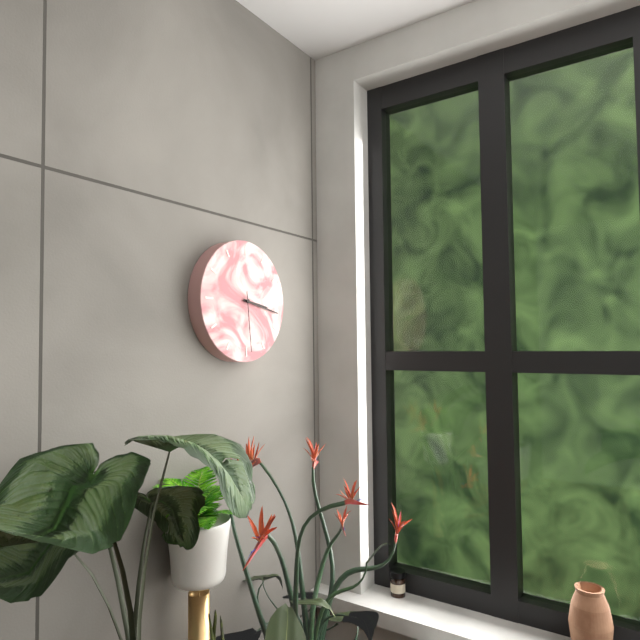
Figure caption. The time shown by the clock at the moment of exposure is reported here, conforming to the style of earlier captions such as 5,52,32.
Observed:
3,17,29
